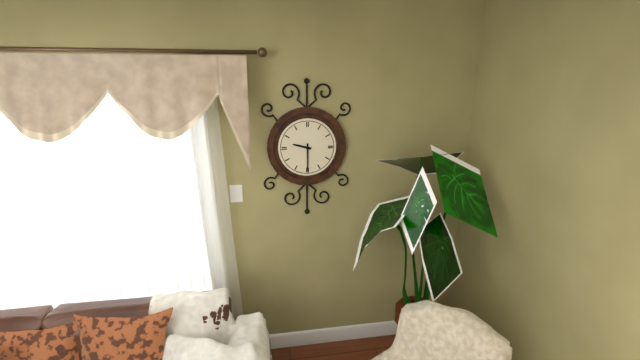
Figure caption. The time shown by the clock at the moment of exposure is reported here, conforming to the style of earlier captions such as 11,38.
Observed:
9,30
